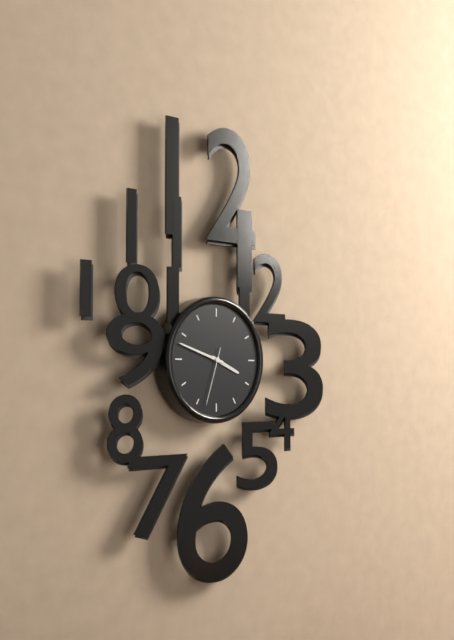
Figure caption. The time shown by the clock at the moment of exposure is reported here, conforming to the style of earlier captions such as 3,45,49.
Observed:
3,48,33
